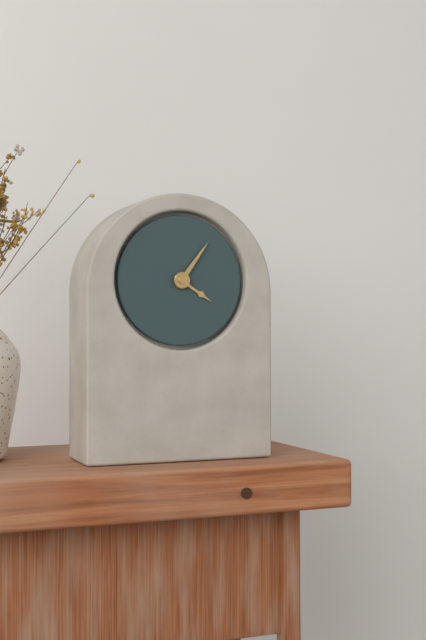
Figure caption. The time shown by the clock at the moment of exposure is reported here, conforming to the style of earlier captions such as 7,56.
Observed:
4,06
